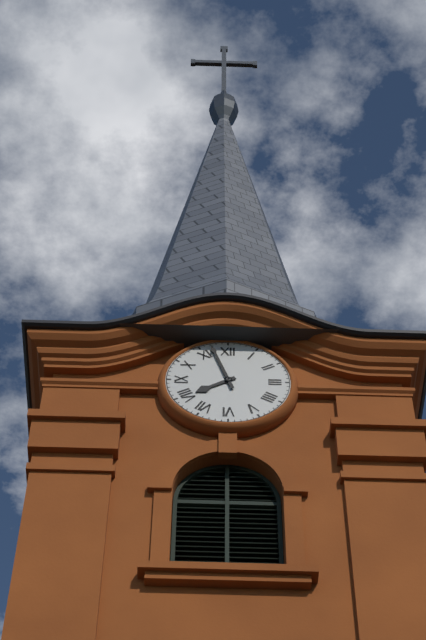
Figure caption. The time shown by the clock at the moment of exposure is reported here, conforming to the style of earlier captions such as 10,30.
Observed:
7,57
